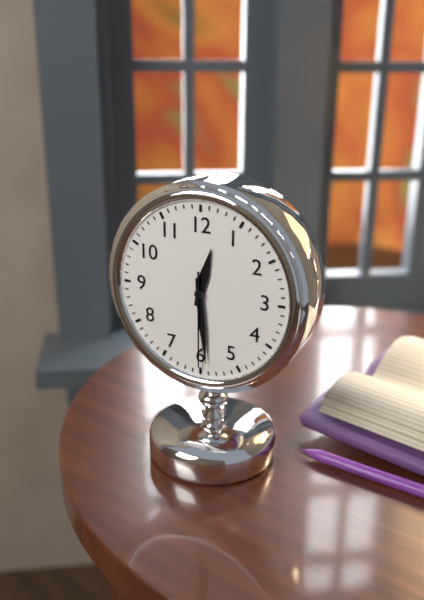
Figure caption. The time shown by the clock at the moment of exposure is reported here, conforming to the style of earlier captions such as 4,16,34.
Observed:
12,29,30
